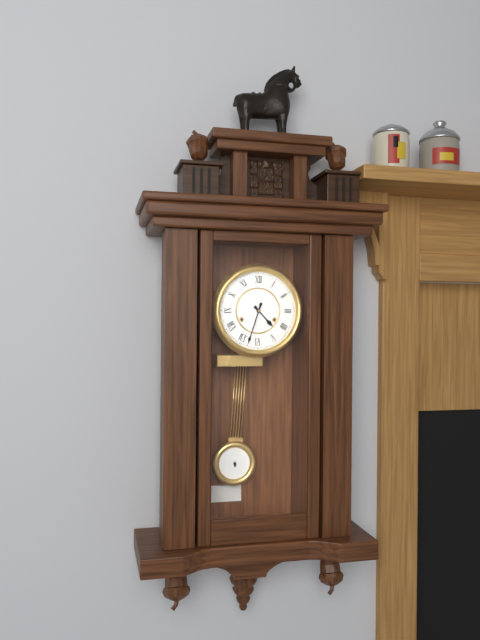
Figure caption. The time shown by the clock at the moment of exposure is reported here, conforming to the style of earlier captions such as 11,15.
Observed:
4,33
